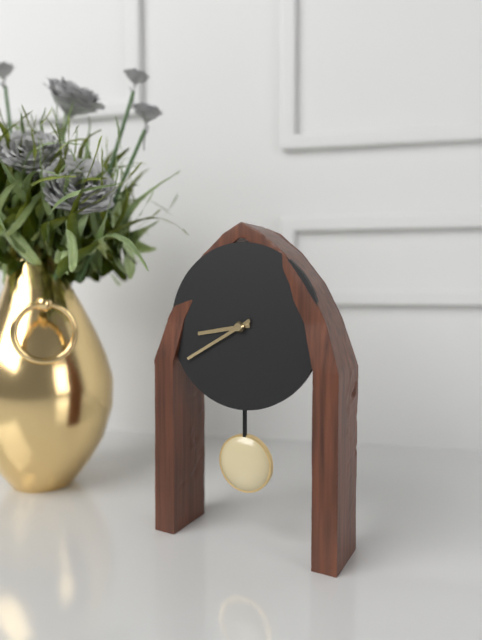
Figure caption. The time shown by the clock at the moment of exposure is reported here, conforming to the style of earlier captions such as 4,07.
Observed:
8,40
